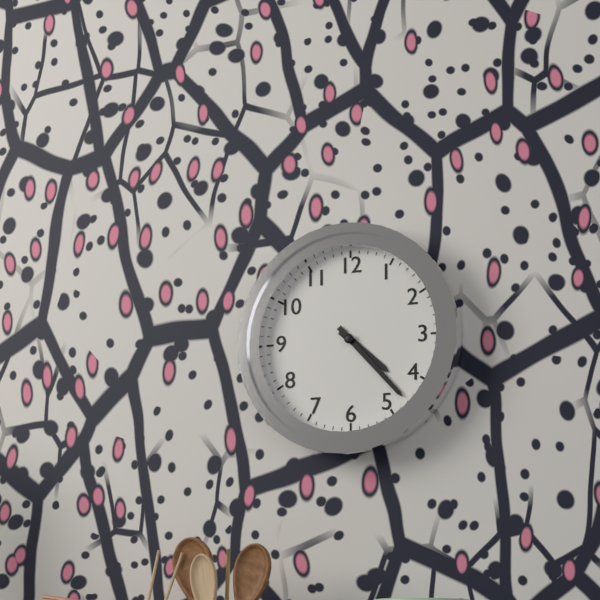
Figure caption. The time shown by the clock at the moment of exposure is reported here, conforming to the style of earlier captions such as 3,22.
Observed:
4,23
